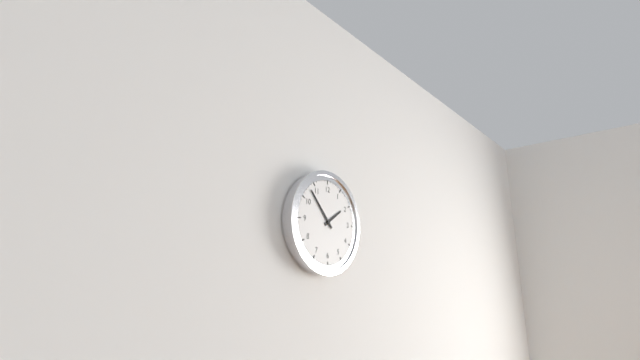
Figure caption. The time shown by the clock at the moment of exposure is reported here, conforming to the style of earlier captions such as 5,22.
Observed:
1,53
